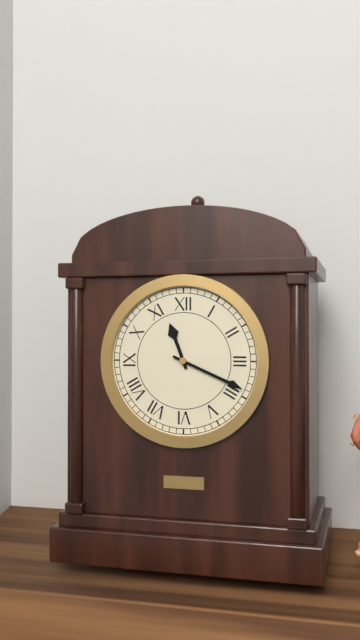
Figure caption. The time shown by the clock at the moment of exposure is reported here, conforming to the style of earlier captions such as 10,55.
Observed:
11,19
